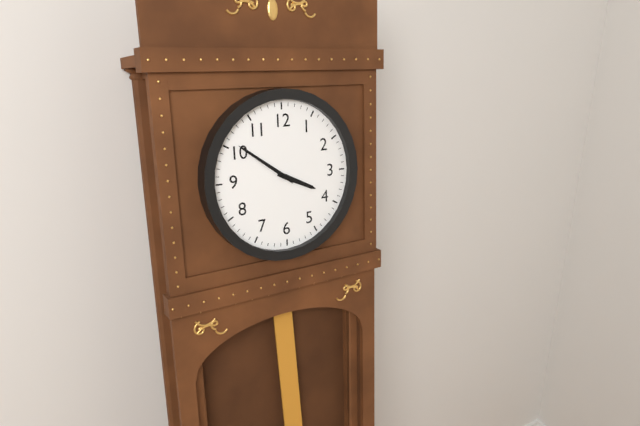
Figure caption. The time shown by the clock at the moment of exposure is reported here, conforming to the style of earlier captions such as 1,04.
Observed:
3,51
